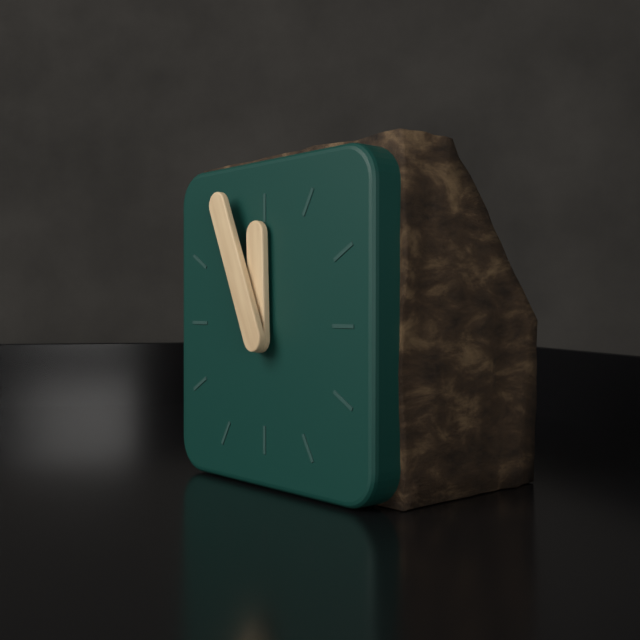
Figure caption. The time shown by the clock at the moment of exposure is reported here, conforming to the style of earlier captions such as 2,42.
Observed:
11,56
